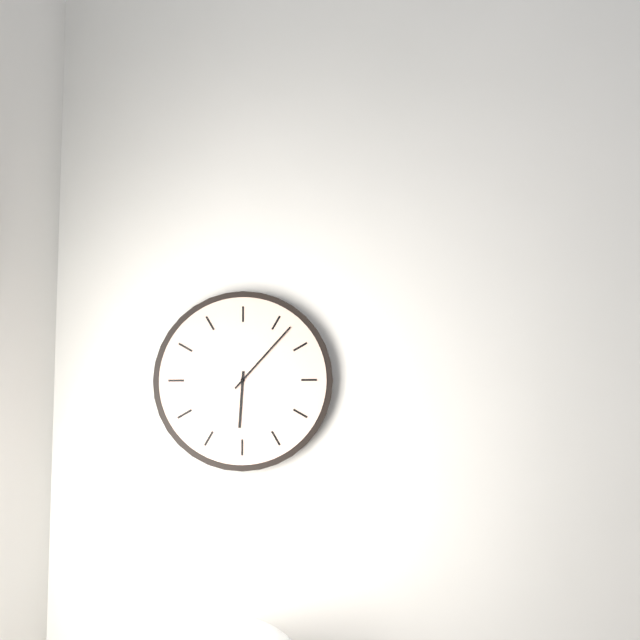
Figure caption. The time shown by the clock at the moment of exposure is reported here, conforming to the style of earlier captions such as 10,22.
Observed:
6,07
